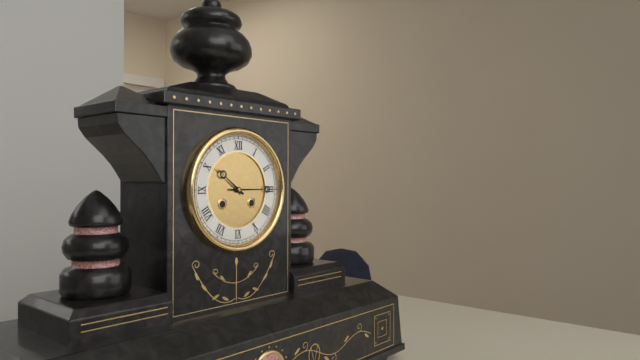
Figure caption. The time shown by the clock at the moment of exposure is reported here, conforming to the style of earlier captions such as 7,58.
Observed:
10,15
